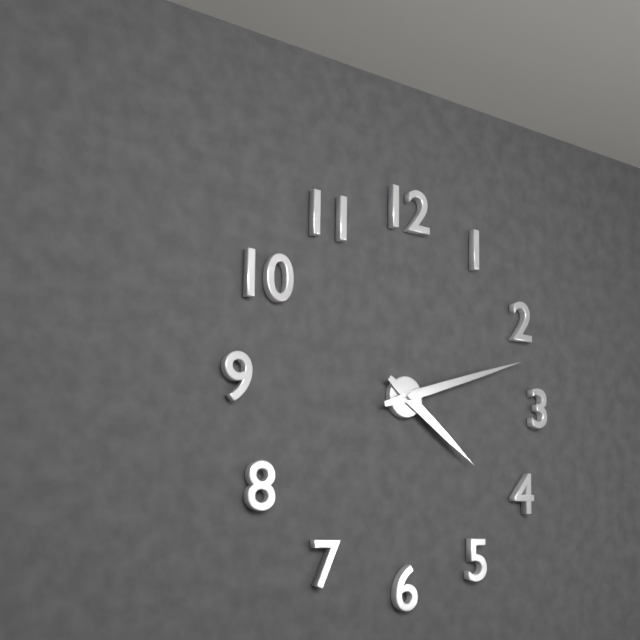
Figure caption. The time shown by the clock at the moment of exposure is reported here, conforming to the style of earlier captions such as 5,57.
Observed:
4,12
